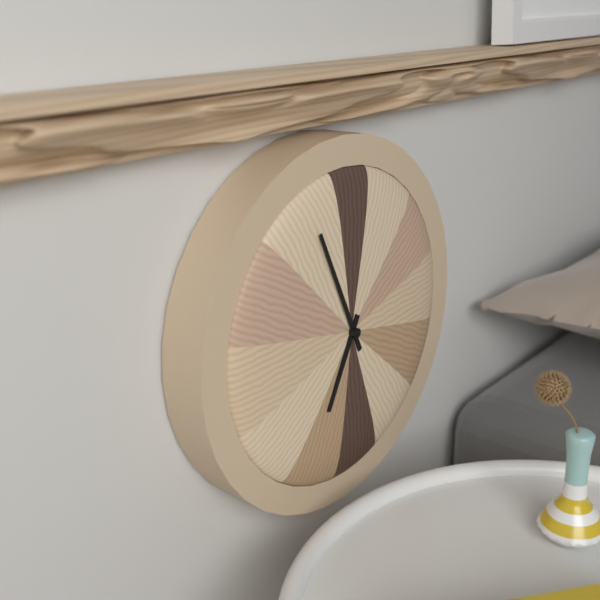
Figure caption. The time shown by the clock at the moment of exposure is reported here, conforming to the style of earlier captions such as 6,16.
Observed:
6,56
